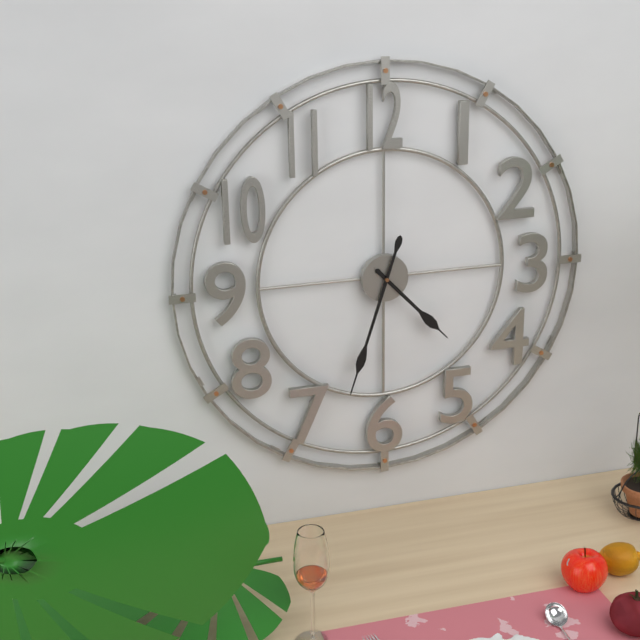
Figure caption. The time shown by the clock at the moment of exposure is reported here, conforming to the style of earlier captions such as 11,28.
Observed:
4,33
